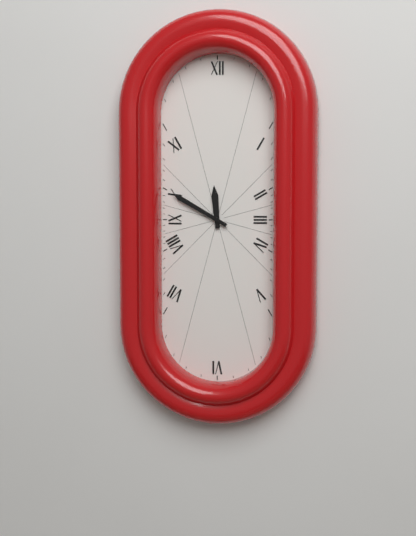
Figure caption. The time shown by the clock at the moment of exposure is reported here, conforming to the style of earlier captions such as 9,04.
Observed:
11,50
